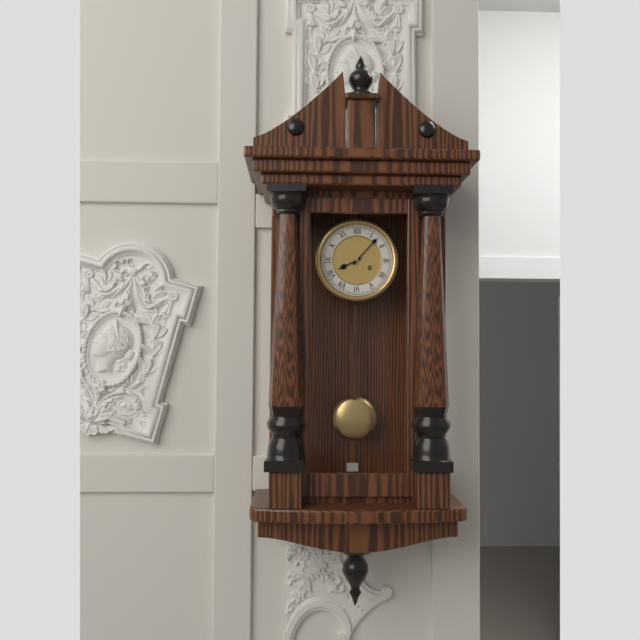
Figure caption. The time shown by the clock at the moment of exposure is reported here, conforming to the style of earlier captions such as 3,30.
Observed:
8,07
